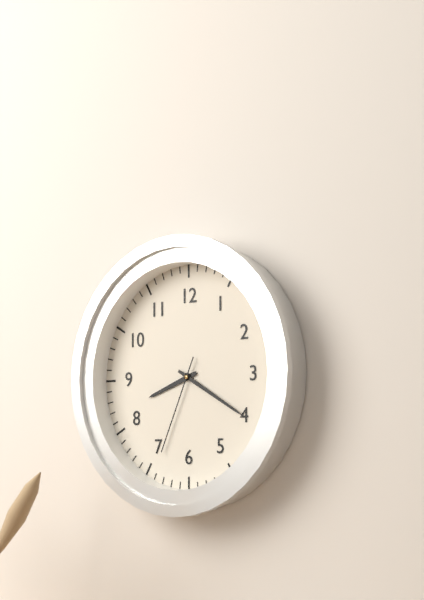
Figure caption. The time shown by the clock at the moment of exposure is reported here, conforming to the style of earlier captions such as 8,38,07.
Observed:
8,20,34
